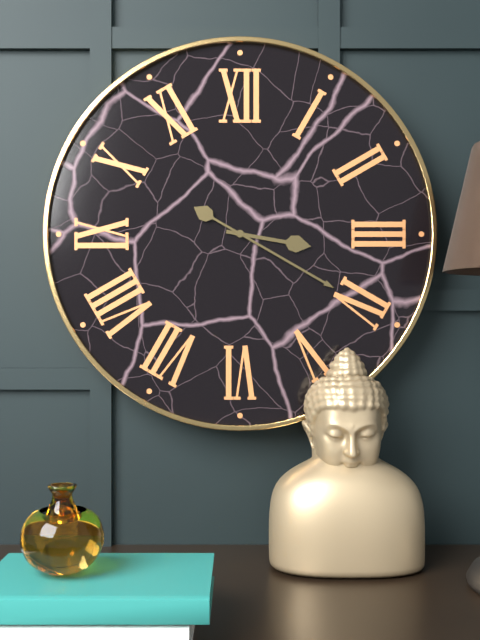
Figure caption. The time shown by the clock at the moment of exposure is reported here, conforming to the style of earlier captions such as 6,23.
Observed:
3,20
